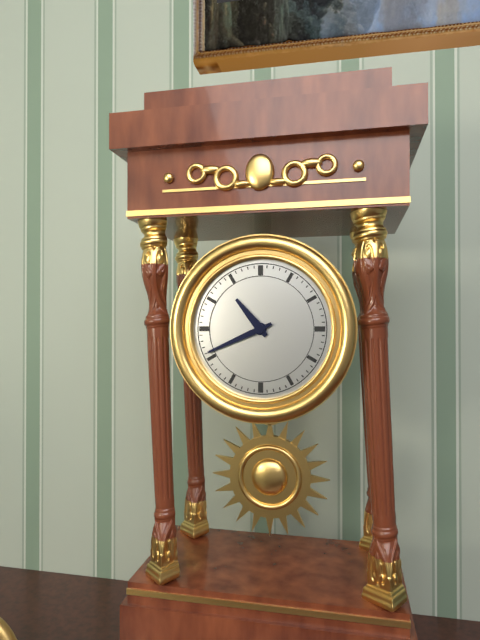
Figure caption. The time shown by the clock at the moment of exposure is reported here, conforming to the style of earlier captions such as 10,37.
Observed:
10,41
